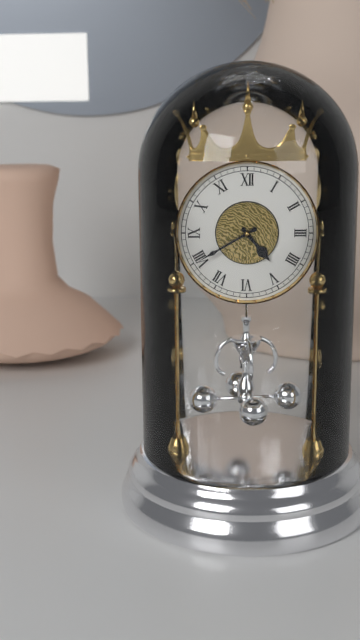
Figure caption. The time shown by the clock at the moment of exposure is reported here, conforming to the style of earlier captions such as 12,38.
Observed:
4,40
